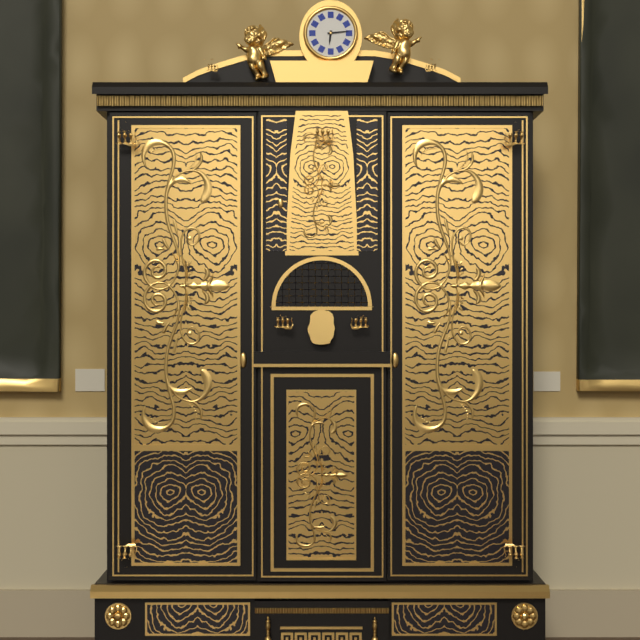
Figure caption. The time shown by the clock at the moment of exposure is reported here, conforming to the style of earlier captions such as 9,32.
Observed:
6,14
